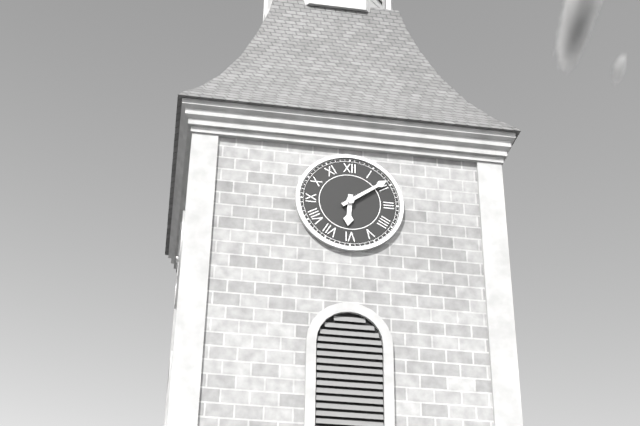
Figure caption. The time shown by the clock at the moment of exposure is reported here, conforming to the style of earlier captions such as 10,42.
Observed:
6,09
